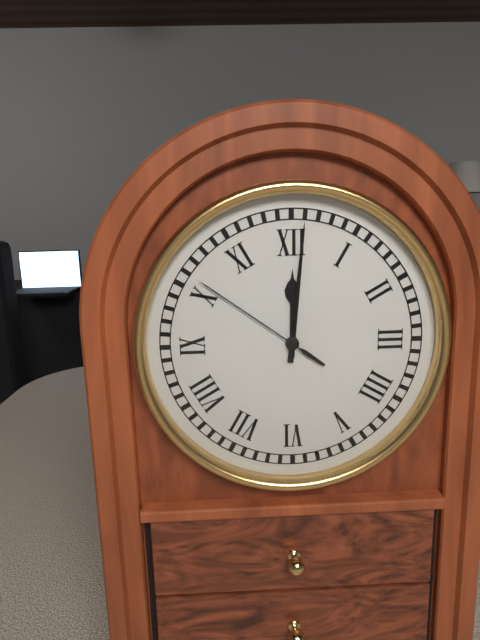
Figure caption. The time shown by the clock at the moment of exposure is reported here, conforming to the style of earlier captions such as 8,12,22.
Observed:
12,01,51
